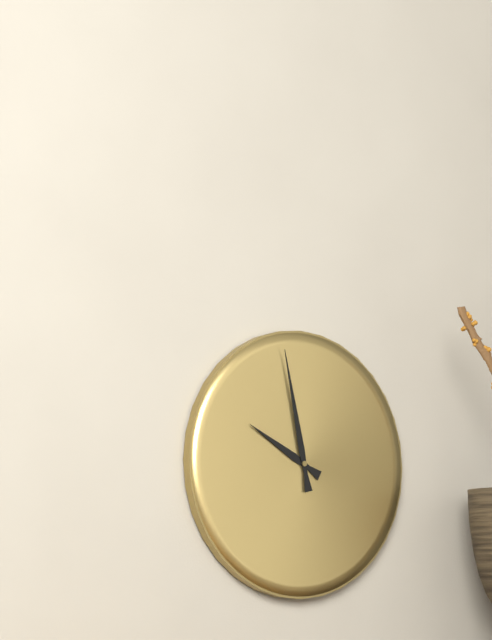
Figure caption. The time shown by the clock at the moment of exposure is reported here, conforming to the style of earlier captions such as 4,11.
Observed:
9,58
